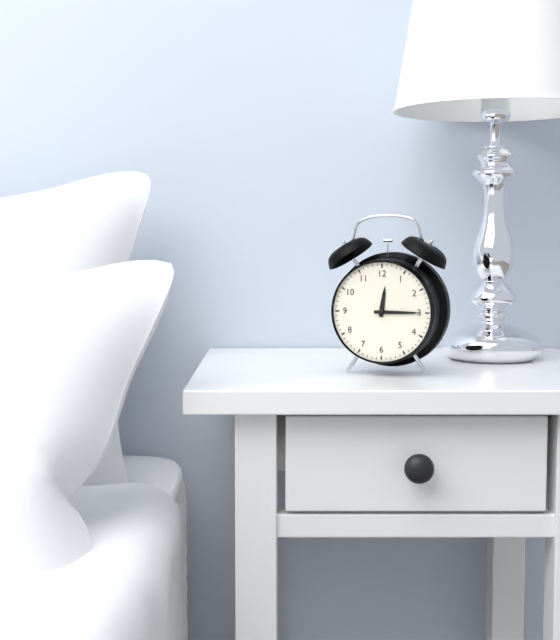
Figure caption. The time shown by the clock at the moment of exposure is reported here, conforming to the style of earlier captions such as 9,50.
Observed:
12,15
